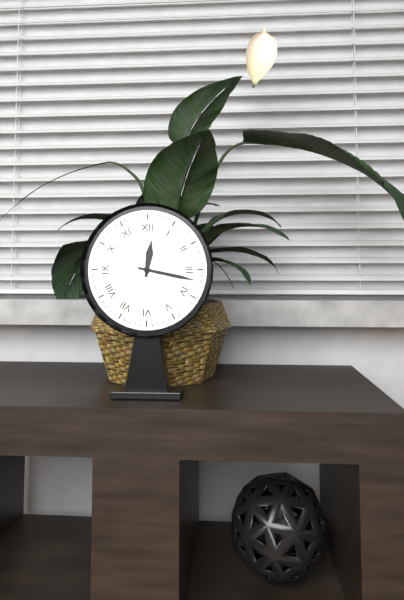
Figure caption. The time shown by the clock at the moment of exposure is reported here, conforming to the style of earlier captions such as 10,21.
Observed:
12,17
